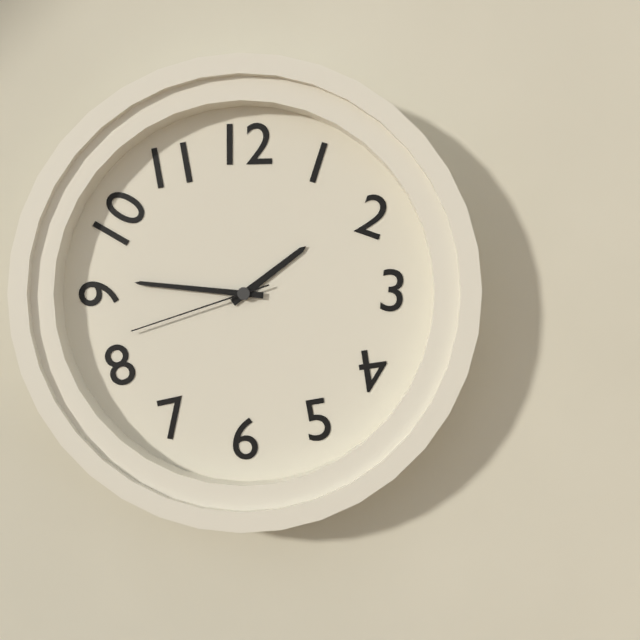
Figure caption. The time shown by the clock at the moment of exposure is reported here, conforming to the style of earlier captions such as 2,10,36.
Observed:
1,46,42
